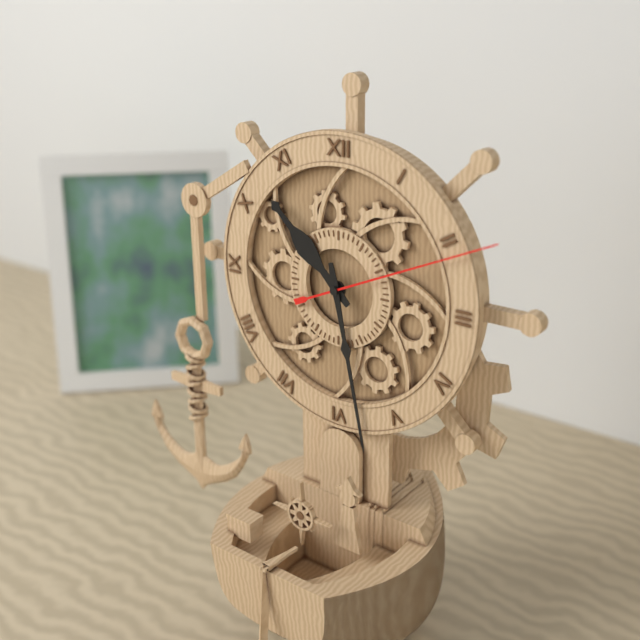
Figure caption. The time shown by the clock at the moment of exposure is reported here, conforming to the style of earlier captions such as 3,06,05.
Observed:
10,28,11
